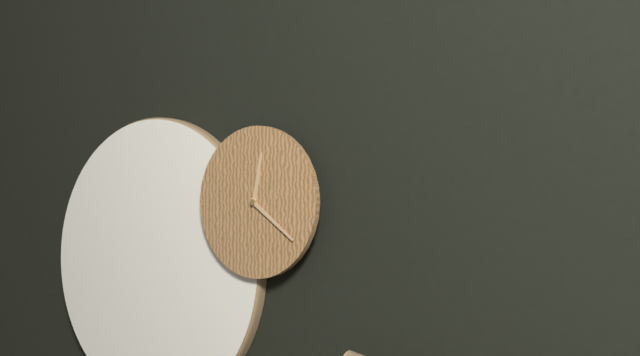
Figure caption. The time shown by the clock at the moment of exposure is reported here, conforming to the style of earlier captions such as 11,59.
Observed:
12,21
